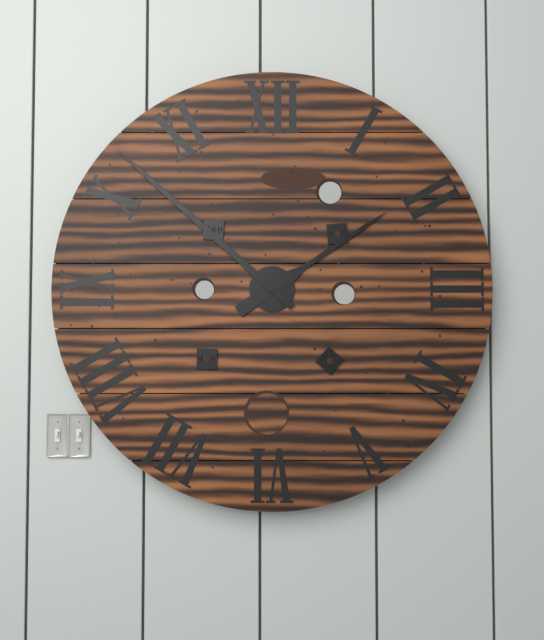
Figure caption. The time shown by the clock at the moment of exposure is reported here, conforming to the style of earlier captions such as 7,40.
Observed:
1,52
